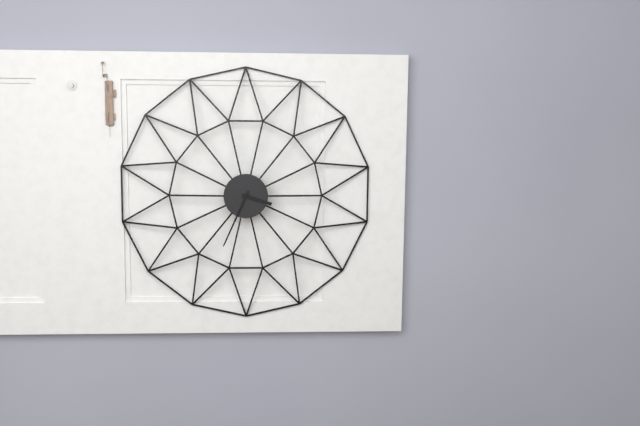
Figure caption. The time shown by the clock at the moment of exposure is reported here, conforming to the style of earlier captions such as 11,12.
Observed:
3,34
